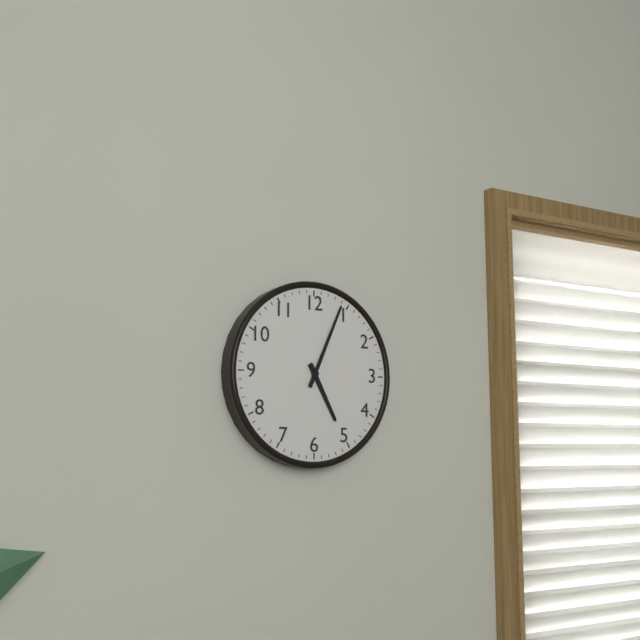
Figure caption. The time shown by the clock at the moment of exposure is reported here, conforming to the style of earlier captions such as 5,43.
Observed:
5,04
